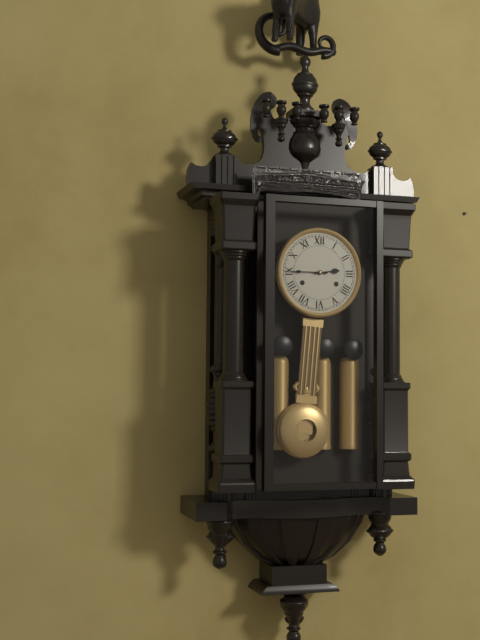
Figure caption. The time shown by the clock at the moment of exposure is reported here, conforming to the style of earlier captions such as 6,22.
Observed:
2,45
